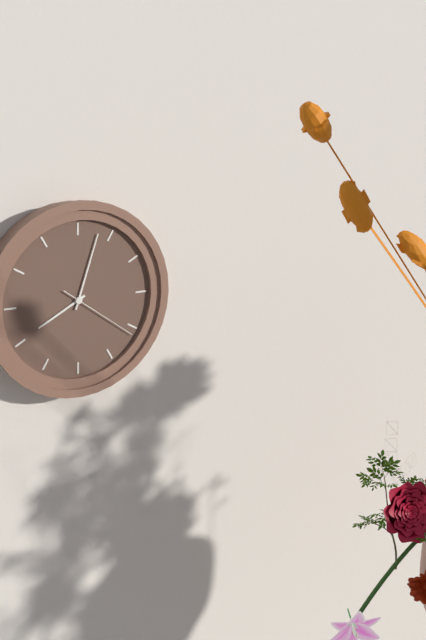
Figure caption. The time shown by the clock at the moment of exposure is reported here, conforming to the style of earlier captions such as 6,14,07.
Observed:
8,03,21
